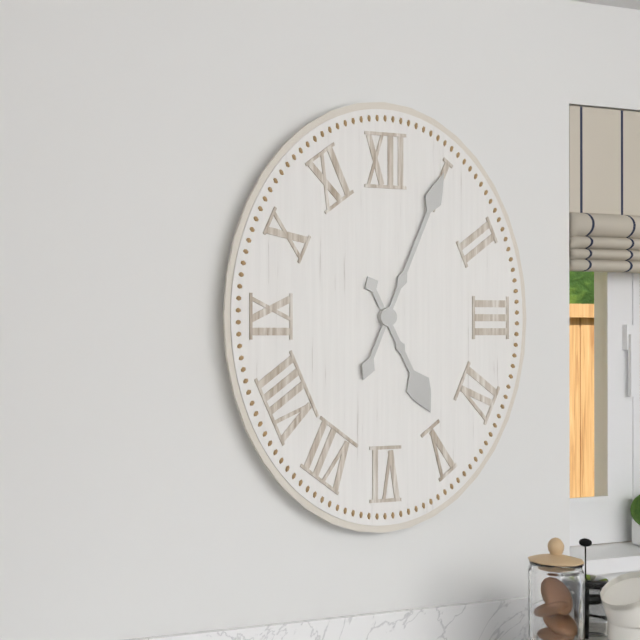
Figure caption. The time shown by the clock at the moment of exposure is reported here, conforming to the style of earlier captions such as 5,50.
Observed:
5,04
